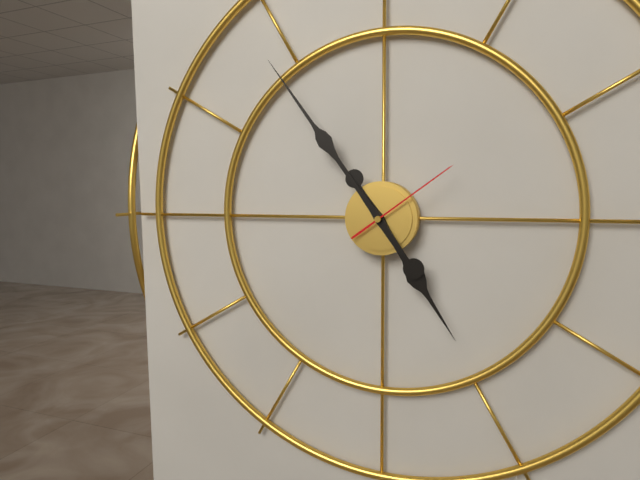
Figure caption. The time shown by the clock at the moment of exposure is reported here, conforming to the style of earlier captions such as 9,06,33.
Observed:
4,54,09
